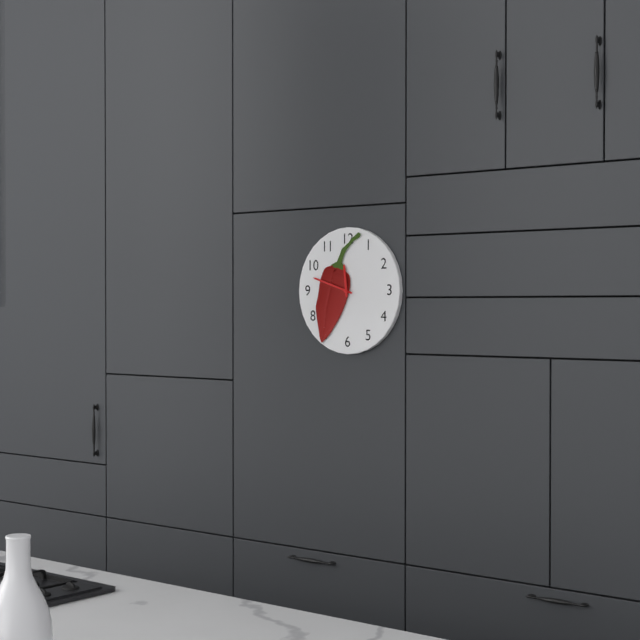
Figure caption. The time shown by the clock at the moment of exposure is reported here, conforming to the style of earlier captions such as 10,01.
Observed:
11,48
